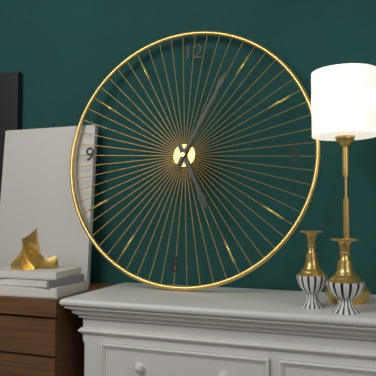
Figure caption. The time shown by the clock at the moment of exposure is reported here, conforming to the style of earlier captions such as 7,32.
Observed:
5,04
